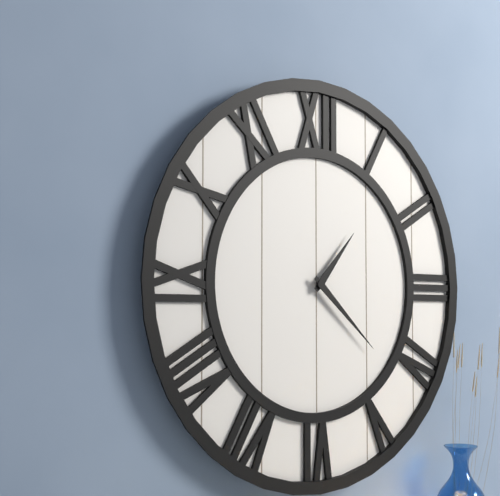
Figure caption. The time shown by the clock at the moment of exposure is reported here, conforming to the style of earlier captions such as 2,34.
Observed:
1,22
